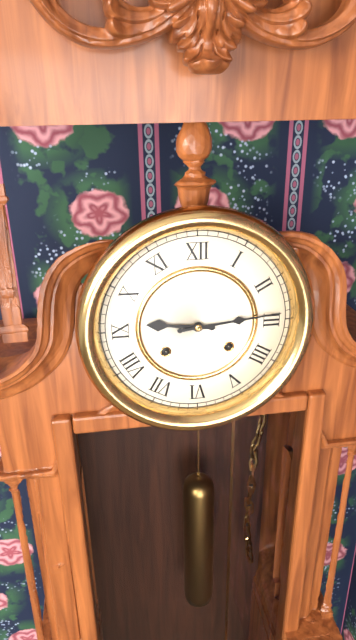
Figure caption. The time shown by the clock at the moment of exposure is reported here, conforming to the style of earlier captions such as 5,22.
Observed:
9,14
